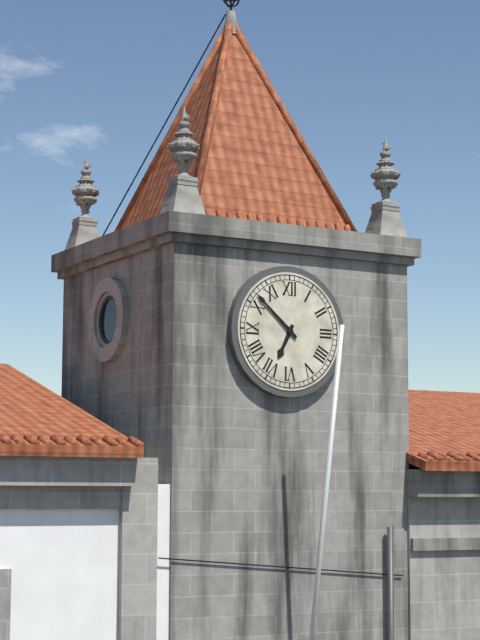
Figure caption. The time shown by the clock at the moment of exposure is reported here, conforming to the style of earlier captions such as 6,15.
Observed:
6,52
